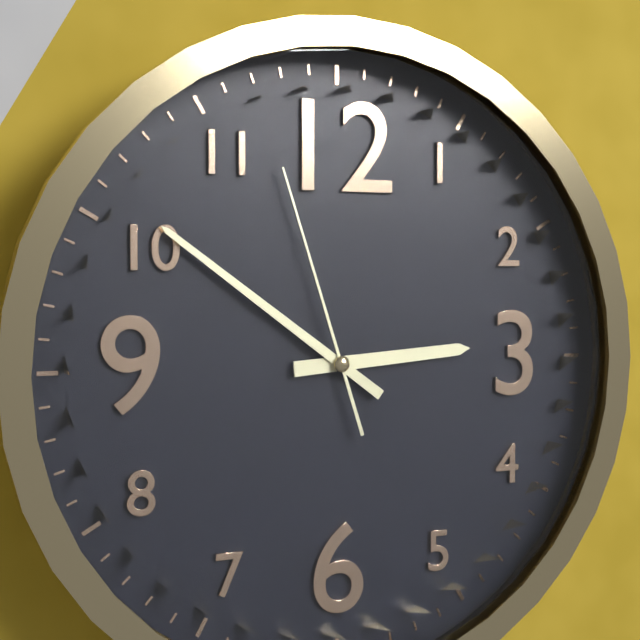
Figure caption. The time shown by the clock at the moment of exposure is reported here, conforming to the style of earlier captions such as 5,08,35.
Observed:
2,51,57
